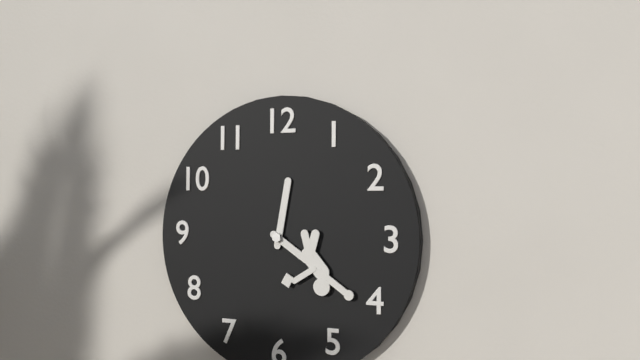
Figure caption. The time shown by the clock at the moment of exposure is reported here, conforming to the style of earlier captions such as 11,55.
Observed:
12,20
